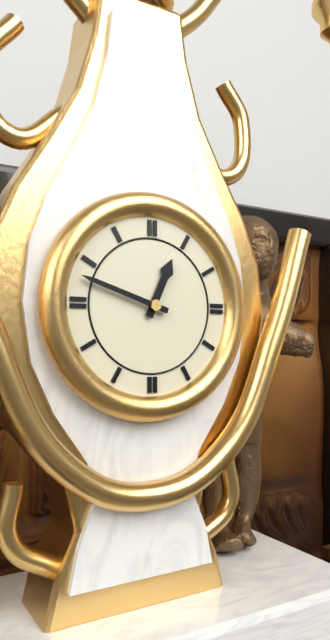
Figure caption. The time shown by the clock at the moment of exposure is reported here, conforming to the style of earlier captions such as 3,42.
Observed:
12,48
